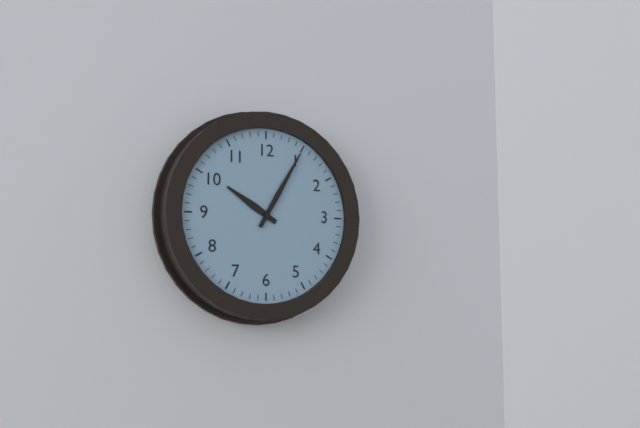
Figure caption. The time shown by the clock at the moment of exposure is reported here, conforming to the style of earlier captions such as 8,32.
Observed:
10,05
